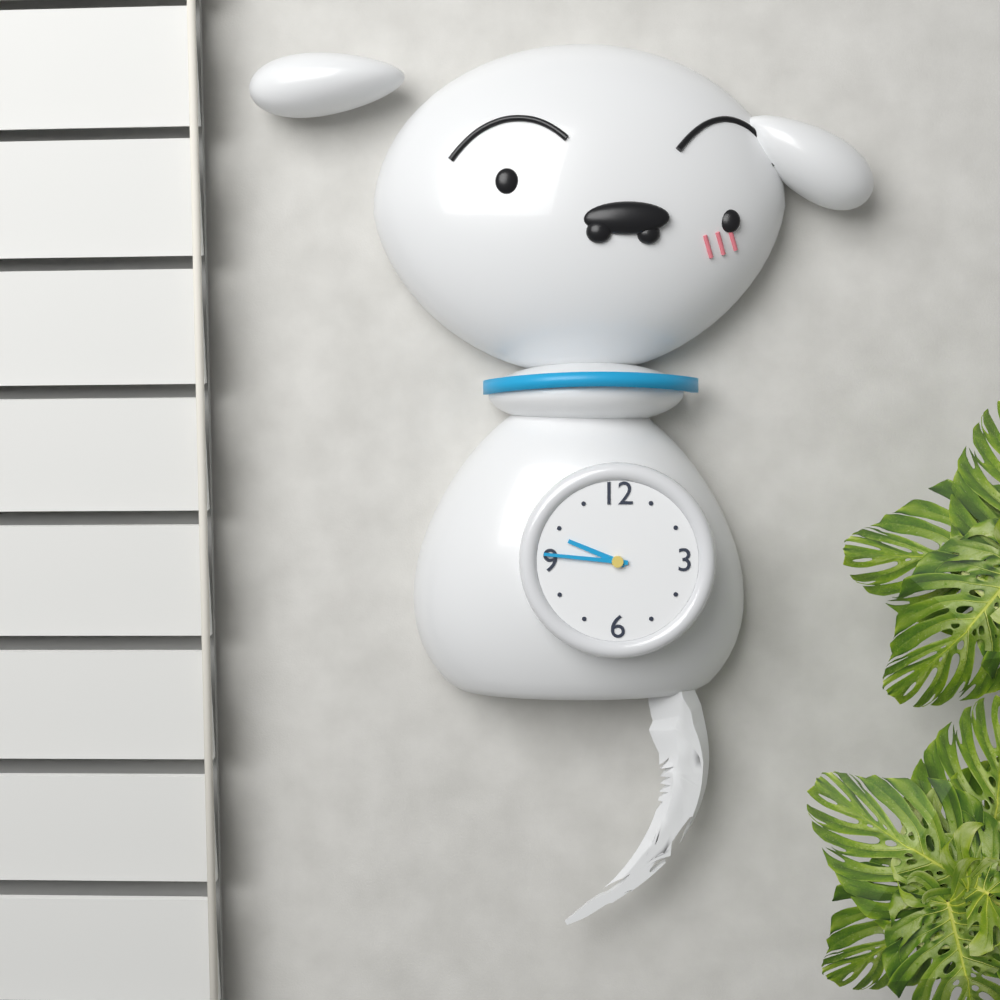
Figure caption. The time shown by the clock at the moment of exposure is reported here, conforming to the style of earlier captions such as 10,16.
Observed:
9,46
